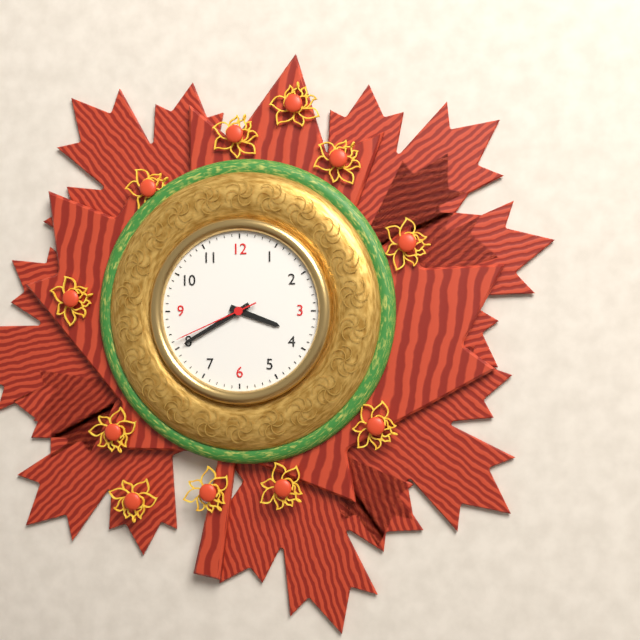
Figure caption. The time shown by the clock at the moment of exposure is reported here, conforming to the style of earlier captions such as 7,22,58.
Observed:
3,40,41
